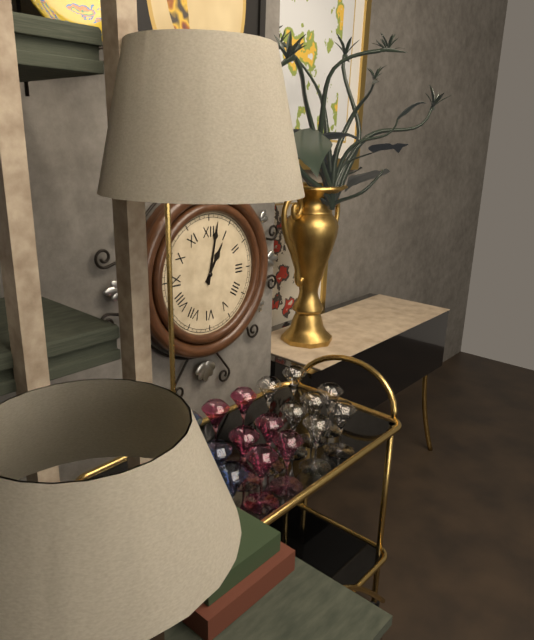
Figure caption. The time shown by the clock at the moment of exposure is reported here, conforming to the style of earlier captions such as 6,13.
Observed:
1,02
